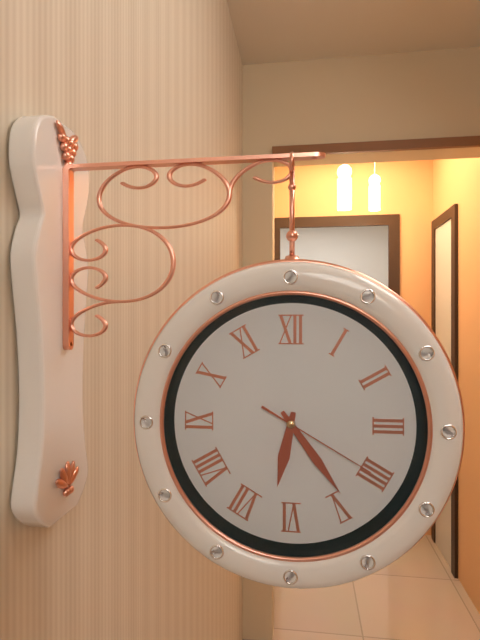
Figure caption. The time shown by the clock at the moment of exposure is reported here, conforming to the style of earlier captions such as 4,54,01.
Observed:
6,24,20
